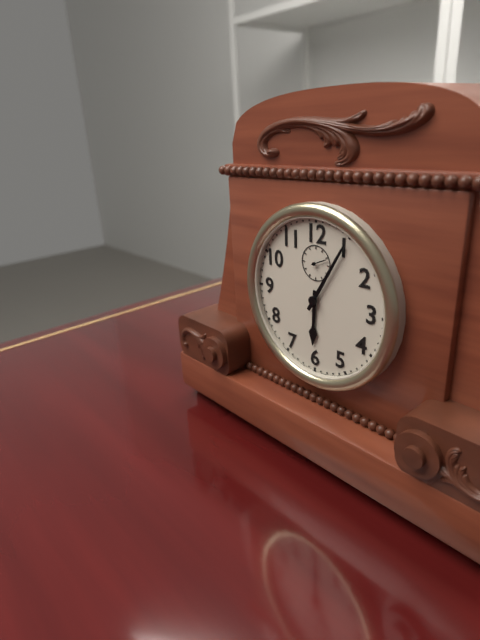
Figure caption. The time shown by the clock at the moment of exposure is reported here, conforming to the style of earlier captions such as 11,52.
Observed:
6,05
